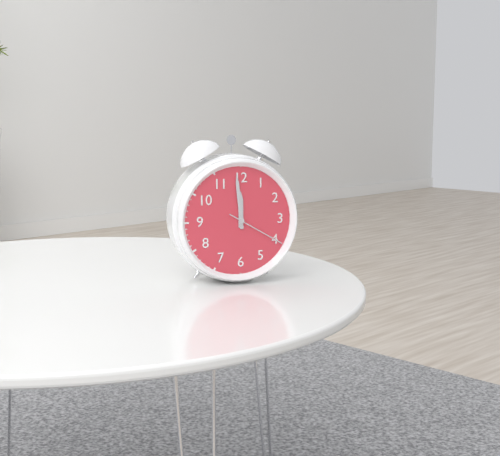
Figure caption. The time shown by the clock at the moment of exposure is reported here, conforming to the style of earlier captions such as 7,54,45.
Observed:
11,59,20
